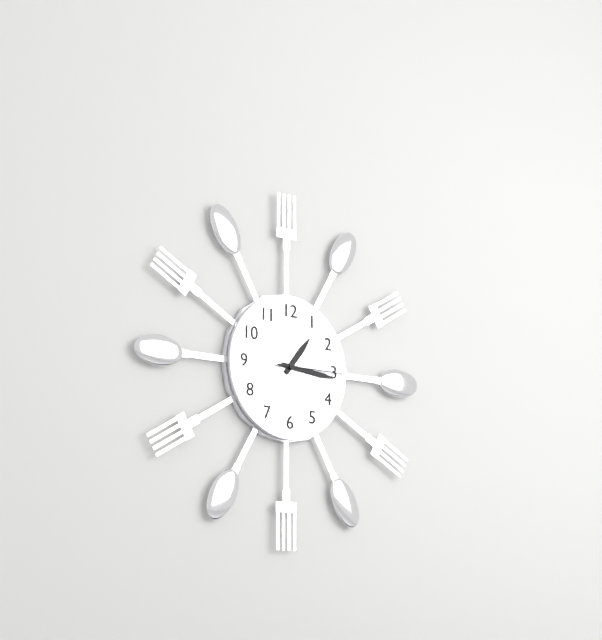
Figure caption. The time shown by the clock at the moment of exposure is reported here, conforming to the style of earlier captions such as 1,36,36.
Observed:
1,16,15
